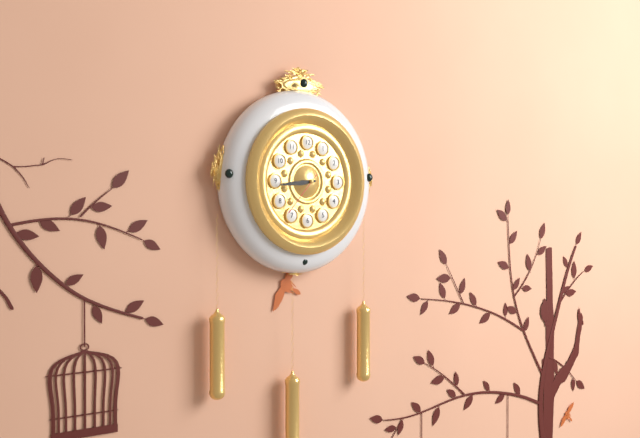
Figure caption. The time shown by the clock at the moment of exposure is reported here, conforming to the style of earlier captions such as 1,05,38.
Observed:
8,44,37
